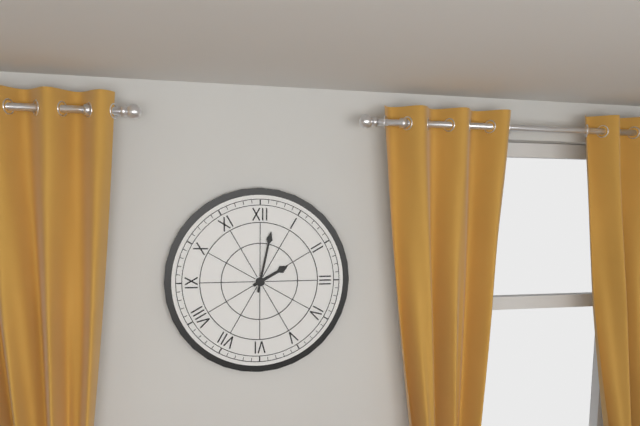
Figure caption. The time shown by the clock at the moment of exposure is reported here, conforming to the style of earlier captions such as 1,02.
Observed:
2,02
